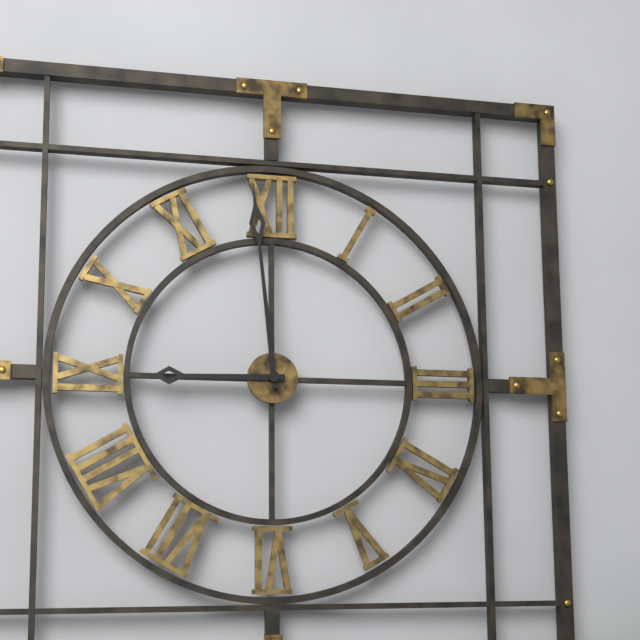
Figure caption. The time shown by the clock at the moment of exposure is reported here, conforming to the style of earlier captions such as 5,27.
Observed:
8,59
